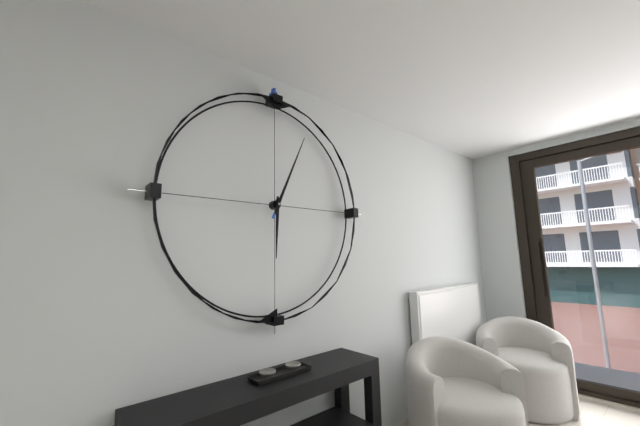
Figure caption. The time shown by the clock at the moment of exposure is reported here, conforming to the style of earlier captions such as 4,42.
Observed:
6,04
